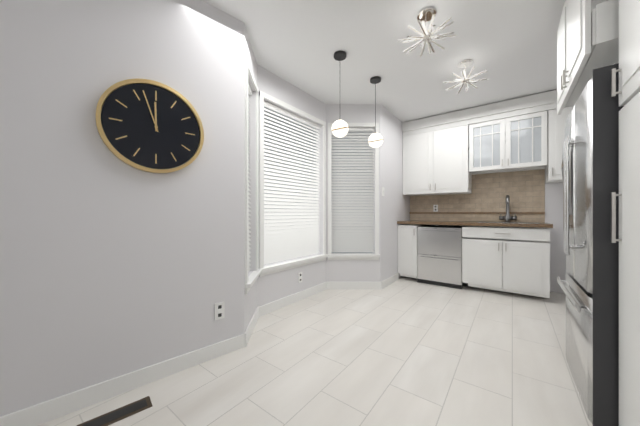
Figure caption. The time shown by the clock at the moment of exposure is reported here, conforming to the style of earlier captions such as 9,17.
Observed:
11,57
